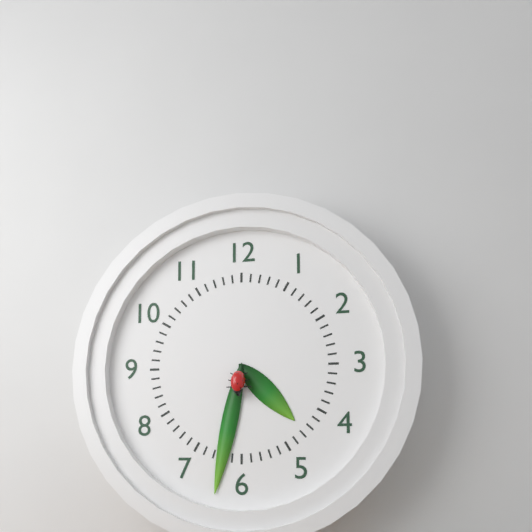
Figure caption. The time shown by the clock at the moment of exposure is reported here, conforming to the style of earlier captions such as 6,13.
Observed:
4,32
